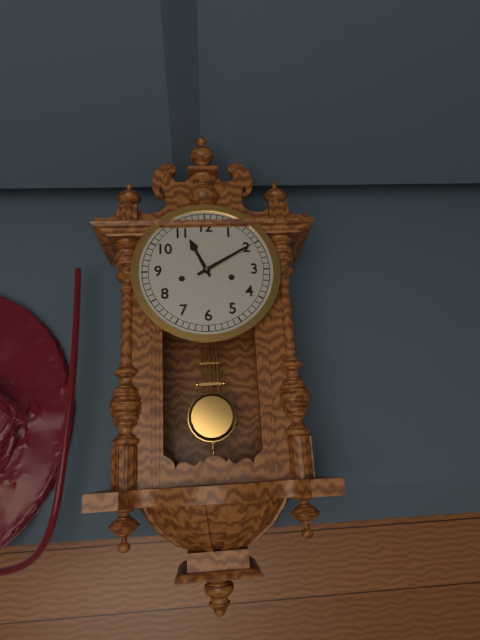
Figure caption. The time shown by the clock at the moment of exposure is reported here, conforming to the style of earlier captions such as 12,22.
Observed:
11,10
